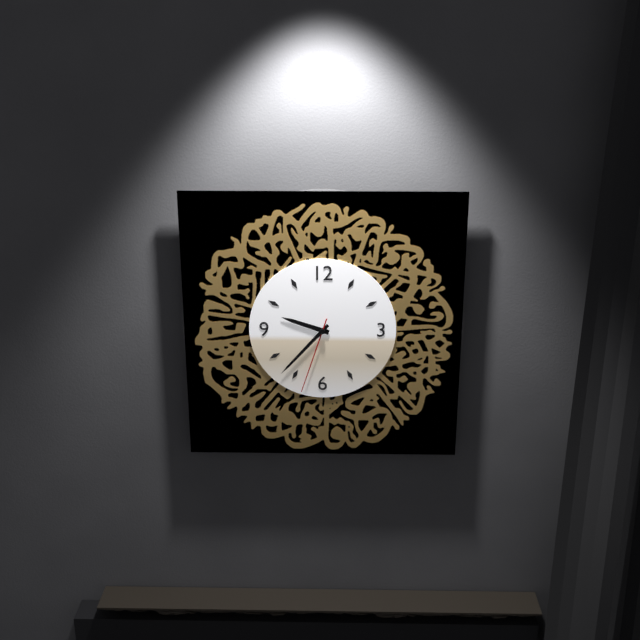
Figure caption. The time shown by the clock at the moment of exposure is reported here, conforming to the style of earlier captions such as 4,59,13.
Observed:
9,37,33
